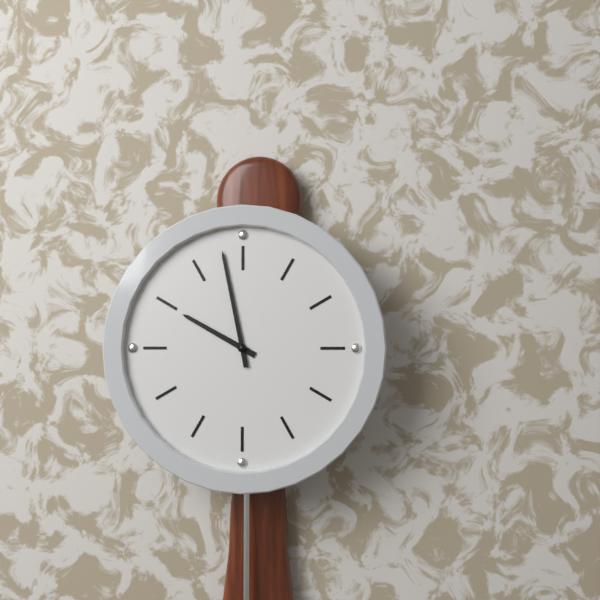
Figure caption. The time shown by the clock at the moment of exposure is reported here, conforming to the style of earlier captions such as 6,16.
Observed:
9,58
